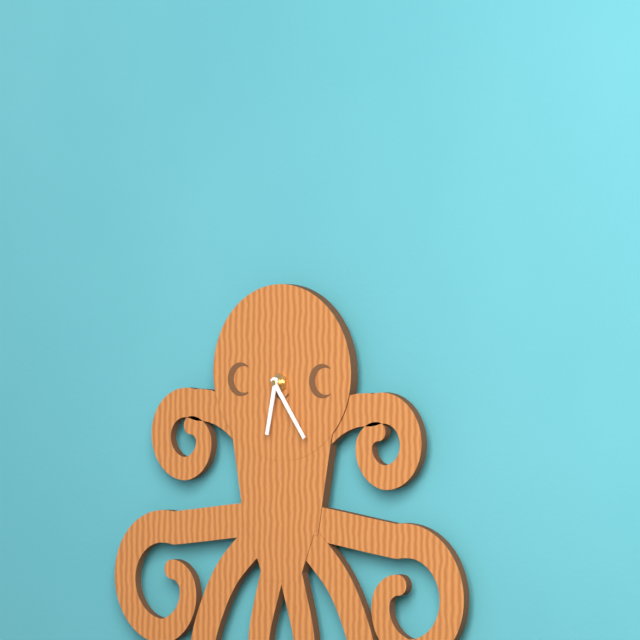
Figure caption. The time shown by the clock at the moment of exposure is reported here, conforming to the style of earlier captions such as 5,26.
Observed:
6,24
